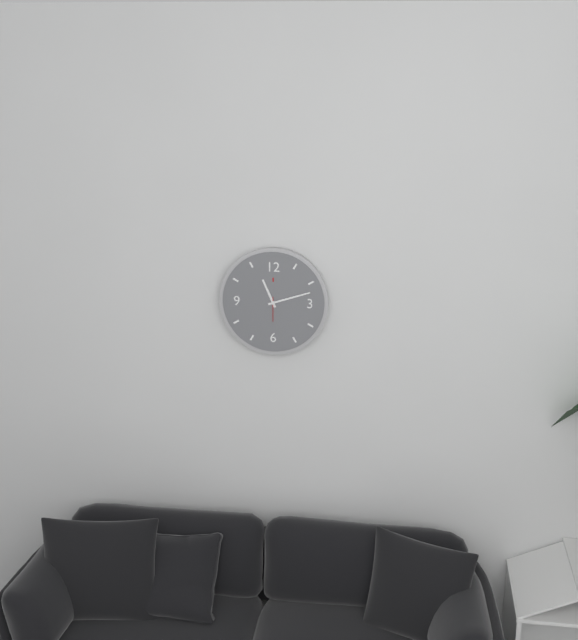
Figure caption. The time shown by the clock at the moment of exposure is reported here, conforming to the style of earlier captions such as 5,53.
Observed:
11,12
